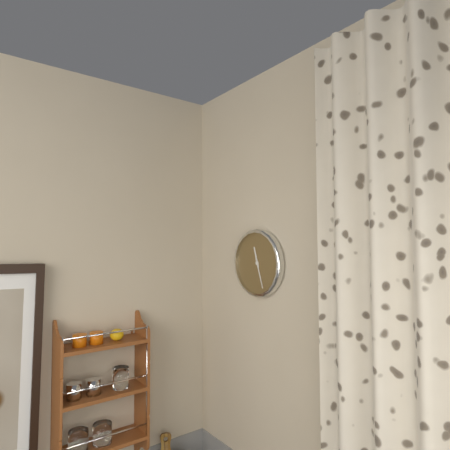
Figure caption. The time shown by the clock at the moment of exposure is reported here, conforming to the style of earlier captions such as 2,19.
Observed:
11,27
